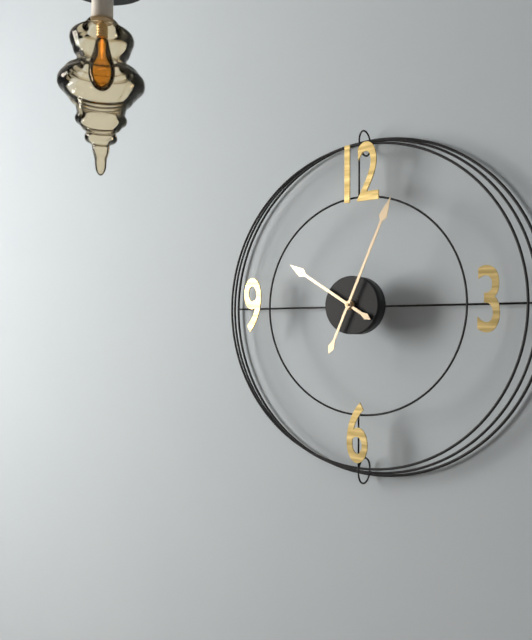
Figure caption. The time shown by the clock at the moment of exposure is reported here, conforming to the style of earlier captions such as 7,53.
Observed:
10,04
